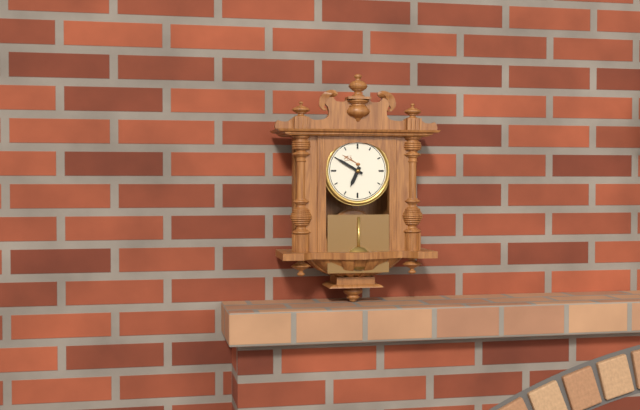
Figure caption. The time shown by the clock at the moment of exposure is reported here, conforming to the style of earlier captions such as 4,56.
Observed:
6,50
